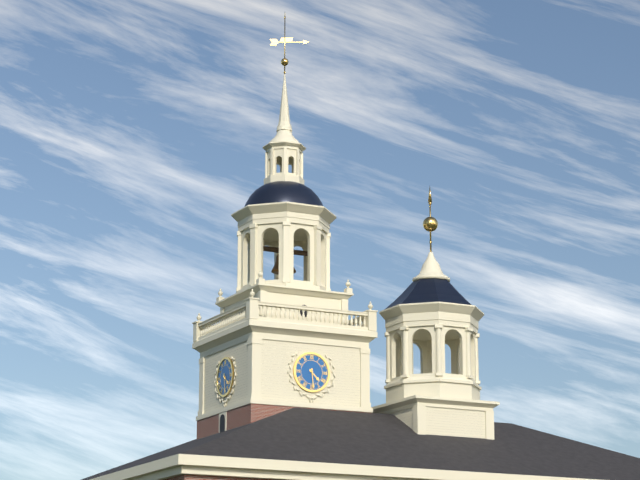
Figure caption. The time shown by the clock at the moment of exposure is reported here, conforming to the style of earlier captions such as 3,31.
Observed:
4,29
